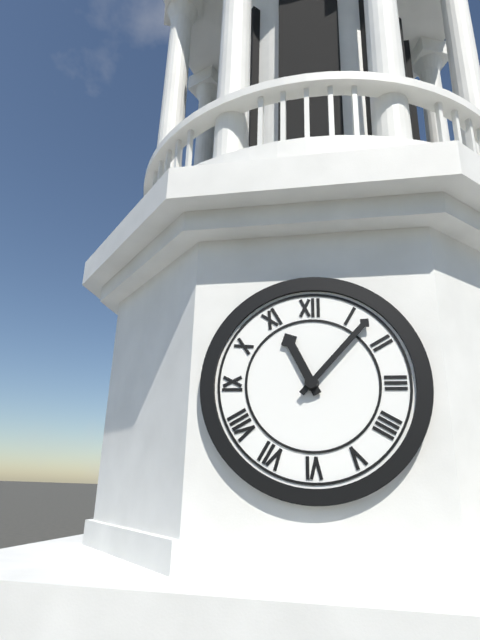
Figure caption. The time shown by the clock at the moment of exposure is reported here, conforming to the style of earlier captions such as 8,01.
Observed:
11,07
